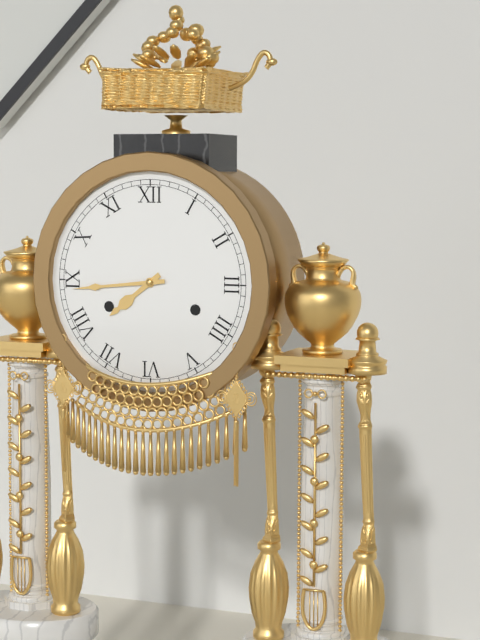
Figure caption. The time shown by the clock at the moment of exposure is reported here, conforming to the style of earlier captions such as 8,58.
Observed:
7,44
